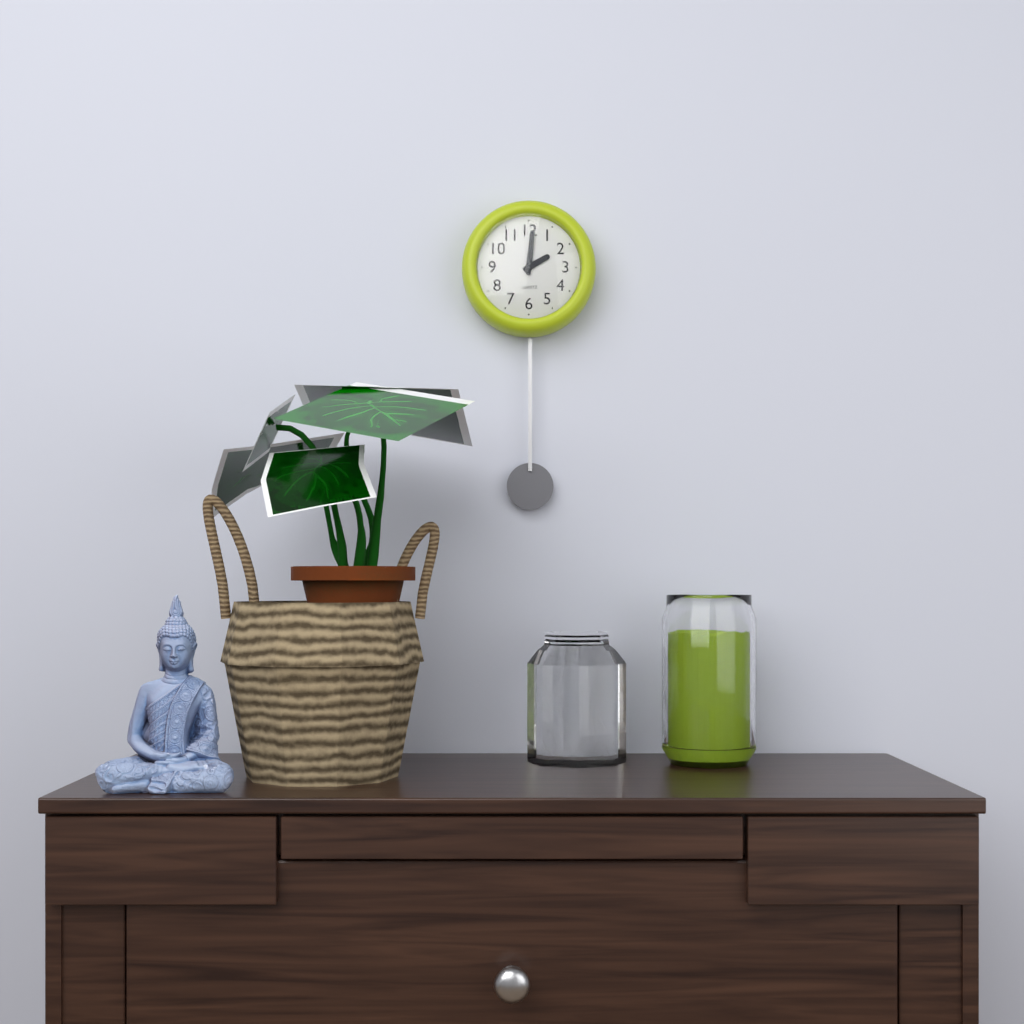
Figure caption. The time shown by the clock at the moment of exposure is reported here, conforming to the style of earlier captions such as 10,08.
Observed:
2,01
